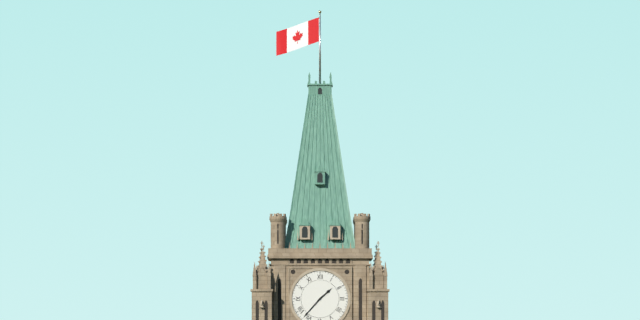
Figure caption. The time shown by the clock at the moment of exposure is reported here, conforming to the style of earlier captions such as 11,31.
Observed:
1,37
